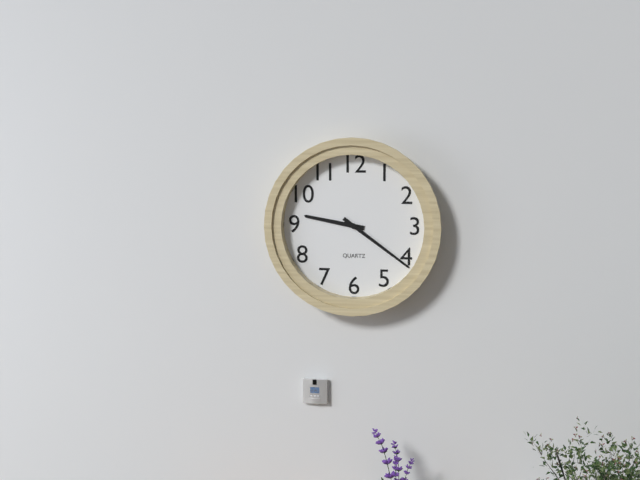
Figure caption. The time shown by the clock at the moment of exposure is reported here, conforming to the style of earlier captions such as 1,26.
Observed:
9,21
